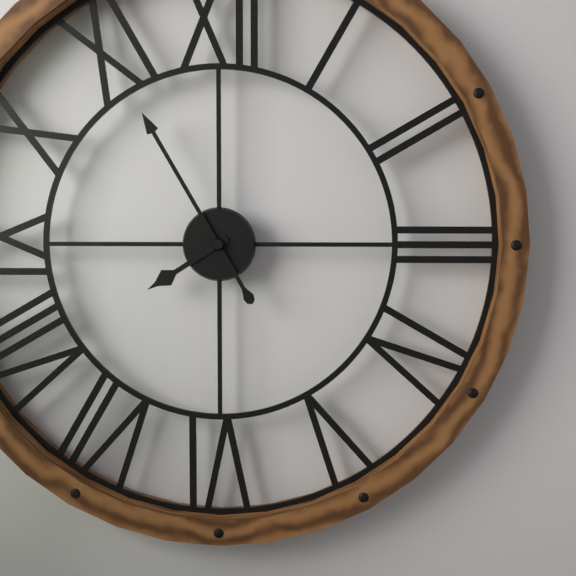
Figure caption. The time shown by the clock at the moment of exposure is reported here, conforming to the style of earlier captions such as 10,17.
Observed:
7,55
